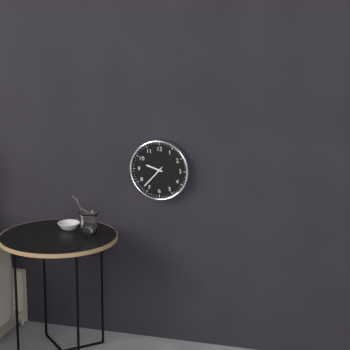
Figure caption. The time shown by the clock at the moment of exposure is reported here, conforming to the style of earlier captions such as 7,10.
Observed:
9,37
